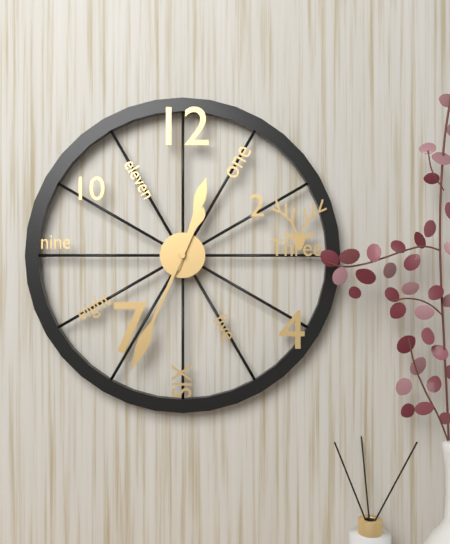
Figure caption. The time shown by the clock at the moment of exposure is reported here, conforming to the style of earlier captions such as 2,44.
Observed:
12,34
